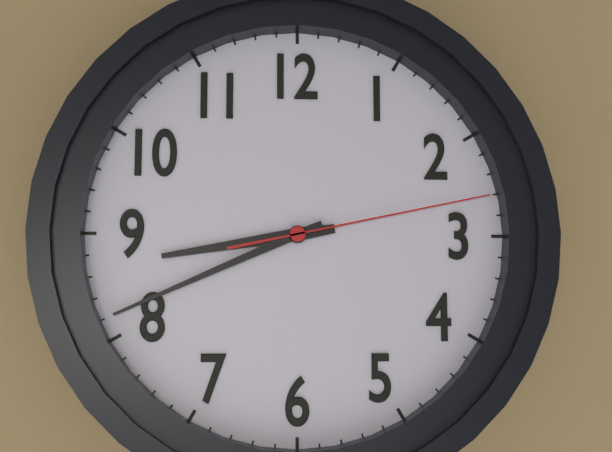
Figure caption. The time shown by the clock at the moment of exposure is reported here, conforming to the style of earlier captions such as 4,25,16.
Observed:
8,41,13
